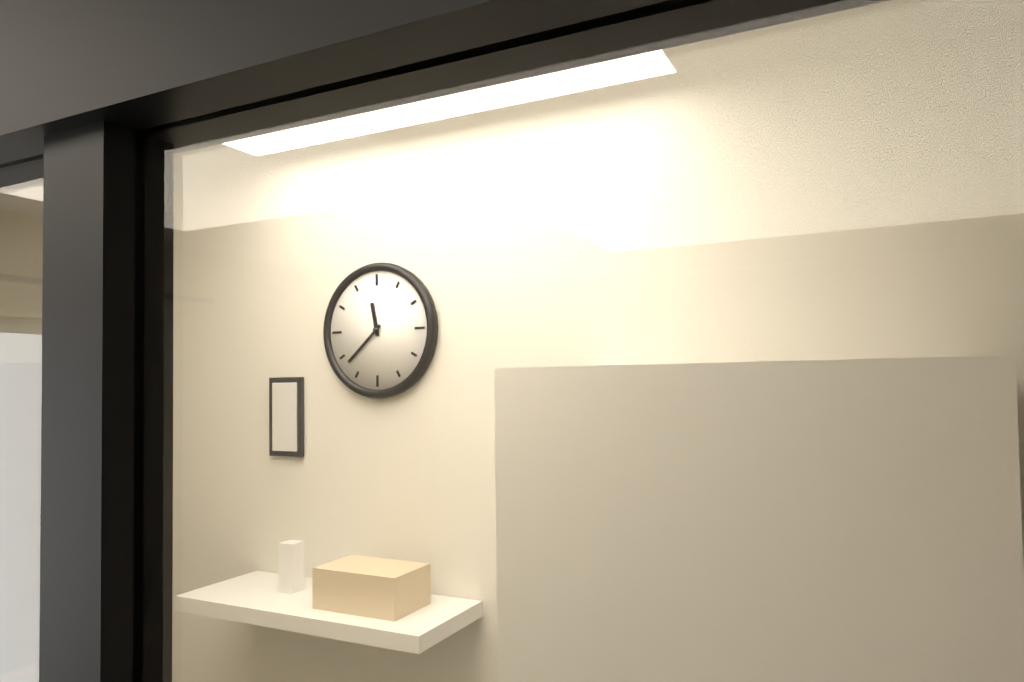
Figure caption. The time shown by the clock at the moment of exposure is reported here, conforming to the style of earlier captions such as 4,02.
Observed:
11,38
